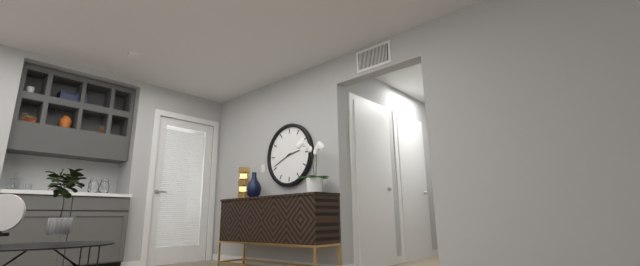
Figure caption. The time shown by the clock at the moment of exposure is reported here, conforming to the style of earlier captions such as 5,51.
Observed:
2,41
